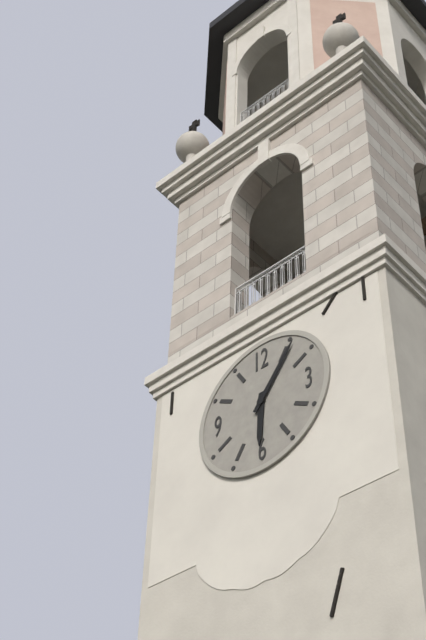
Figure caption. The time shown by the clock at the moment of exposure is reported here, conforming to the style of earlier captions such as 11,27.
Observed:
6,06
